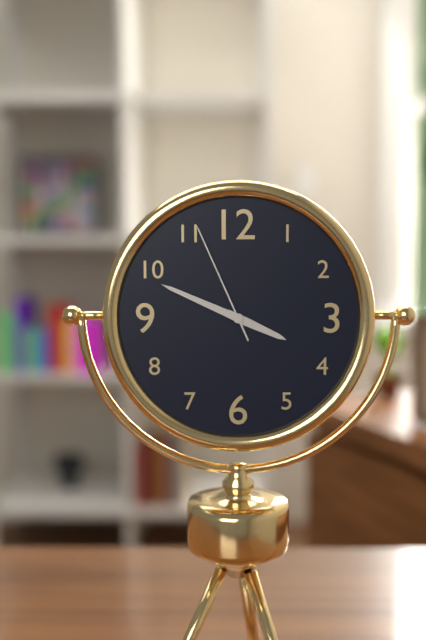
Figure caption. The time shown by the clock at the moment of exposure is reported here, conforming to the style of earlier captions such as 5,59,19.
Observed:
3,49,56
